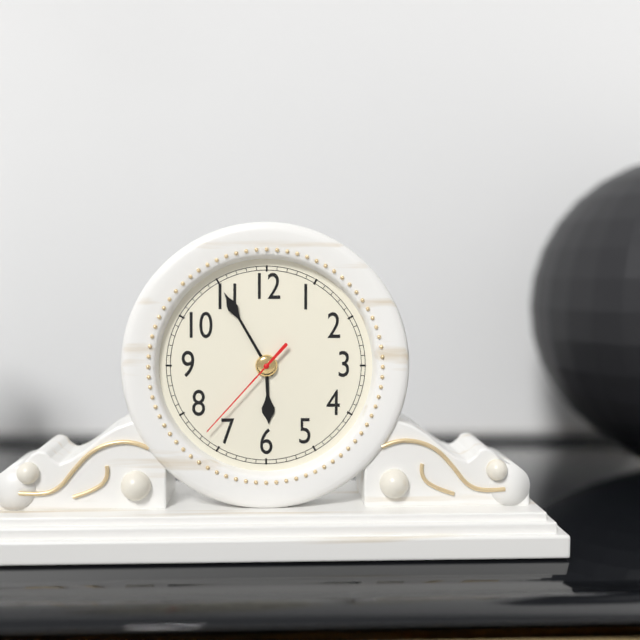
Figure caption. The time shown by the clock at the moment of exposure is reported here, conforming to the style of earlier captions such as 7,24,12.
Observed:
5,55,37
